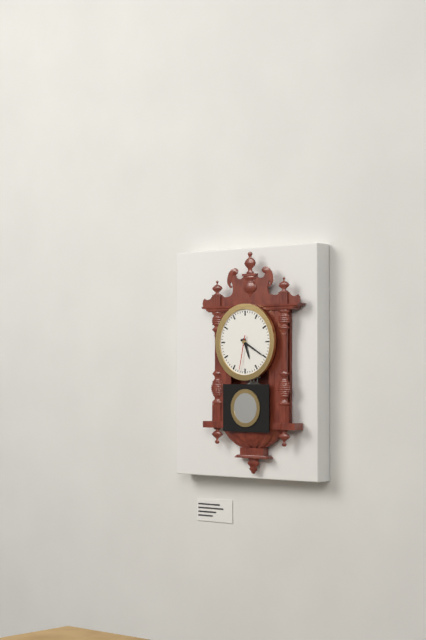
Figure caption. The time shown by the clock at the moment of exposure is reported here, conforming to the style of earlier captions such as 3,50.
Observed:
5,20
